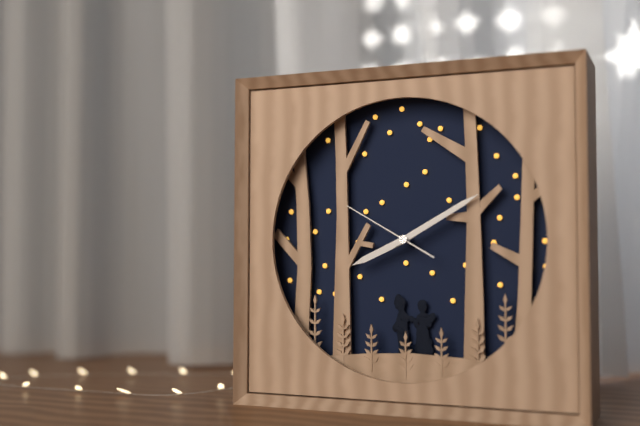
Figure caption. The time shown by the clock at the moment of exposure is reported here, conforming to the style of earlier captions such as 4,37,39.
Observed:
8,10,50
